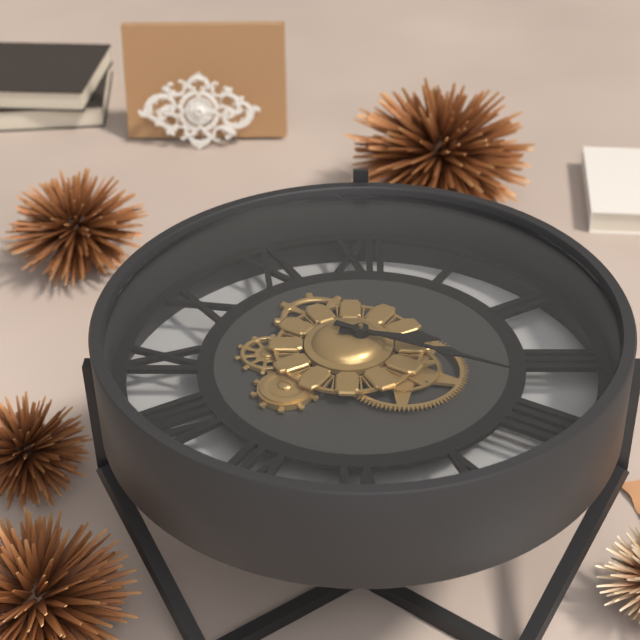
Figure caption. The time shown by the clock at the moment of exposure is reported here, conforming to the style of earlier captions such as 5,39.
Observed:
3,19
